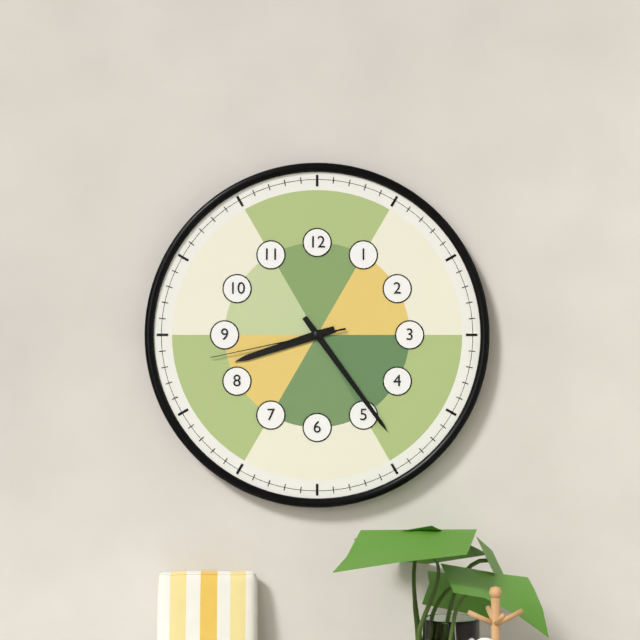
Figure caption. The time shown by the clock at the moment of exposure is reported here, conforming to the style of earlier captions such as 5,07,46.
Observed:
8,24,43
